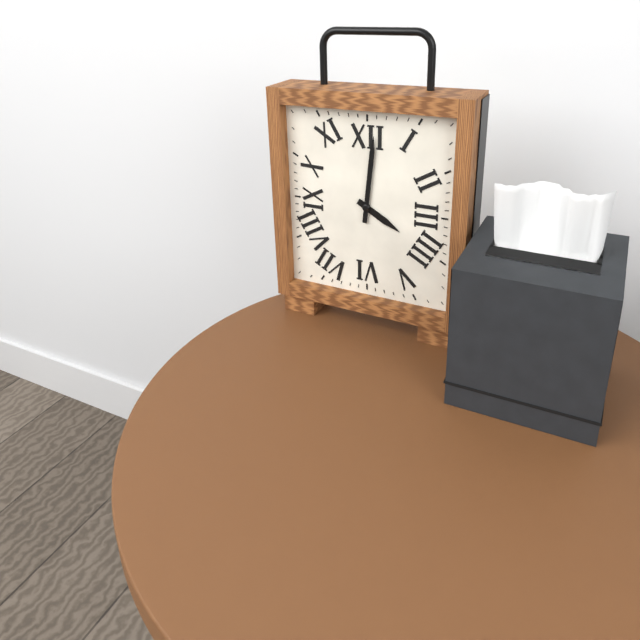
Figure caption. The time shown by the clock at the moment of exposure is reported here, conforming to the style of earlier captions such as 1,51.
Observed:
4,01
